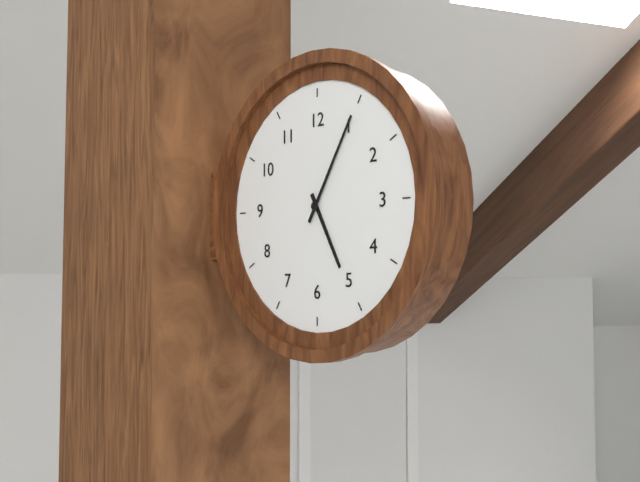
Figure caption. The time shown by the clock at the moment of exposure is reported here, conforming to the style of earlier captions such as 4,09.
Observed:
5,05
